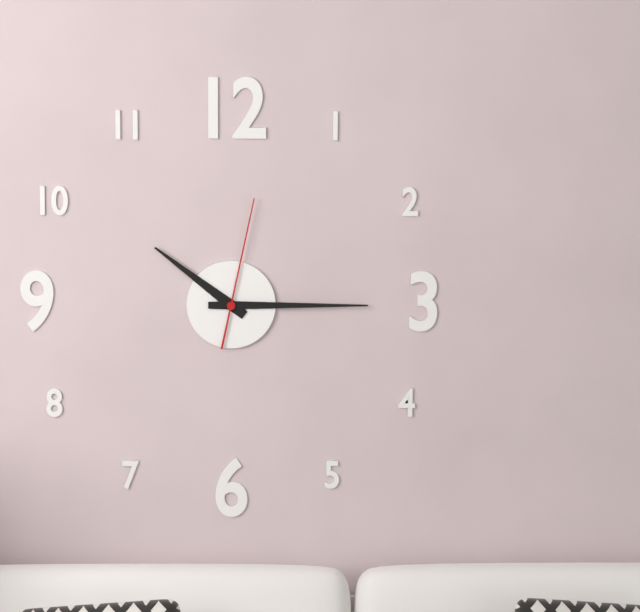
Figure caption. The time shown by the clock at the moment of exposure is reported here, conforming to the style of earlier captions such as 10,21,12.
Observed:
10,15,02
